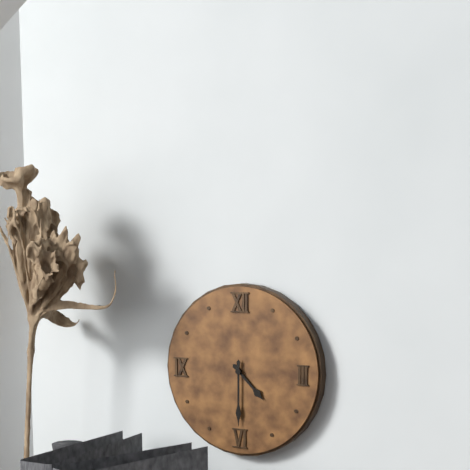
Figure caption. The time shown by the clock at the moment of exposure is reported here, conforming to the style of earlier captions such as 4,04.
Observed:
4,30
